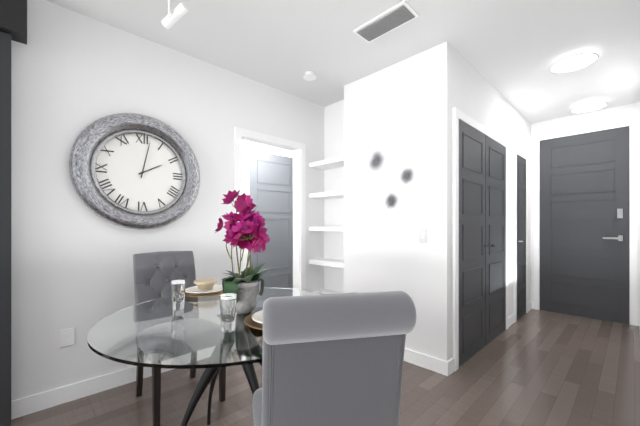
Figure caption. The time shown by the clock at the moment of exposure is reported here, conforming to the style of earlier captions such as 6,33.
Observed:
2,02
